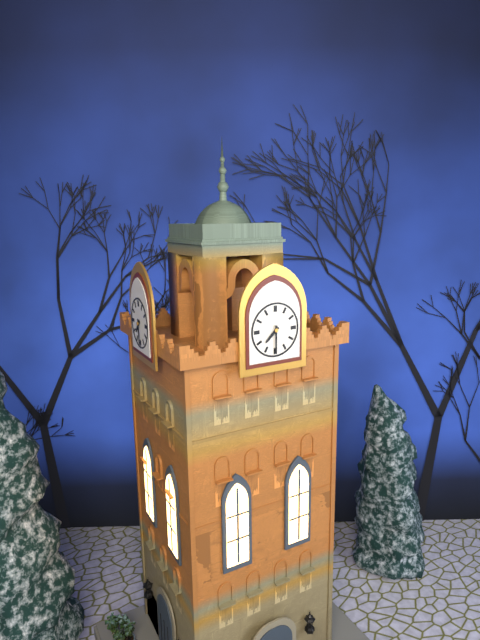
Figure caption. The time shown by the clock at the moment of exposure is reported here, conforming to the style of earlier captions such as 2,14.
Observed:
7,30
